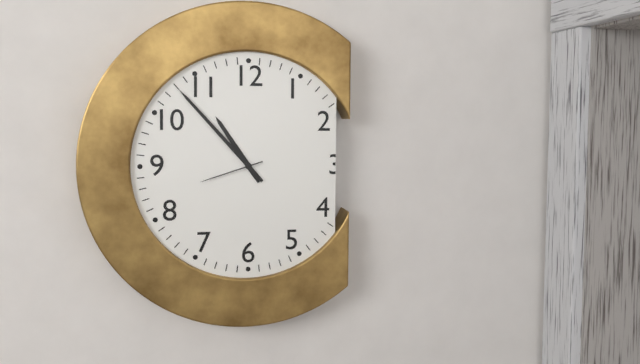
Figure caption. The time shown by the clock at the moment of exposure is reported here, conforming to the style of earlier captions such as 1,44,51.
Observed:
10,53,42
